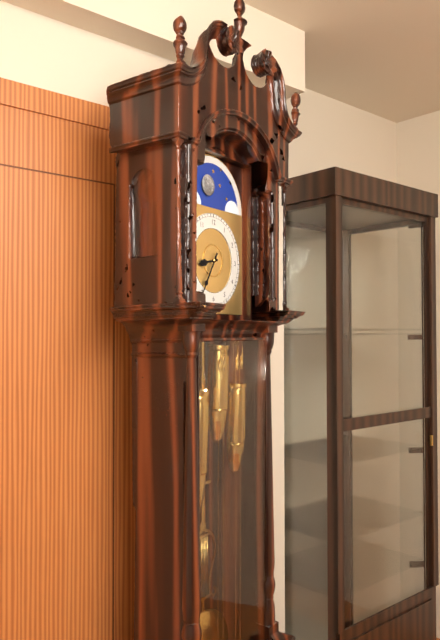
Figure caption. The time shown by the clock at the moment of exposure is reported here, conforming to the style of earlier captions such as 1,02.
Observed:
8,35
